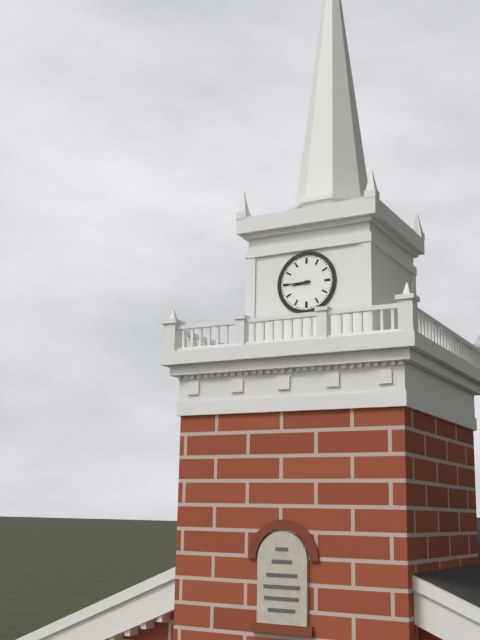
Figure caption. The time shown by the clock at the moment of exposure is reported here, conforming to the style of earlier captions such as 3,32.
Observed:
8,45
